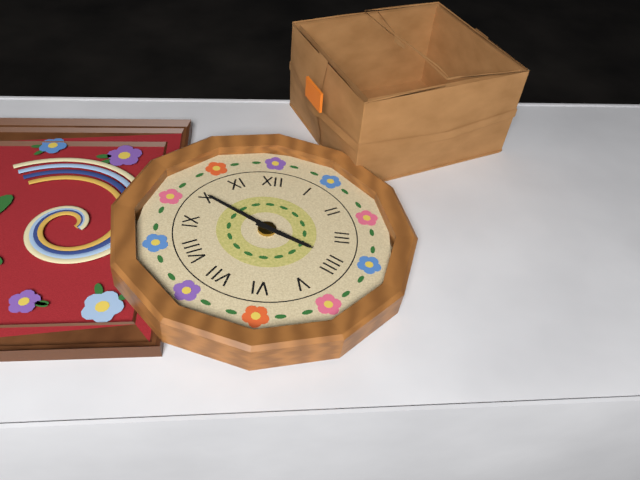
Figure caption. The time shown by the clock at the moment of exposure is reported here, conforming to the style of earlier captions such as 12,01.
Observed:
3,50
